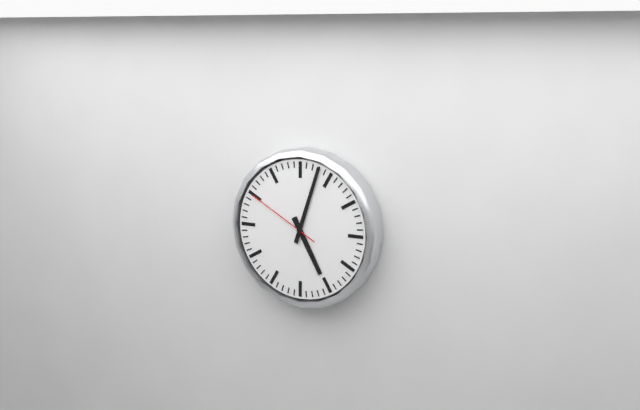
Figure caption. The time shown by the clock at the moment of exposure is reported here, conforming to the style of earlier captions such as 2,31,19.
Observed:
5,03,50
